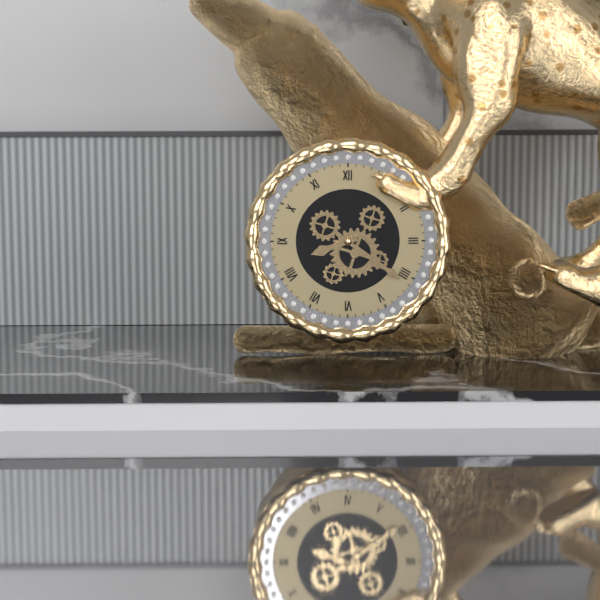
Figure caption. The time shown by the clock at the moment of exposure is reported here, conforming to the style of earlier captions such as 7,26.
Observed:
8,21
